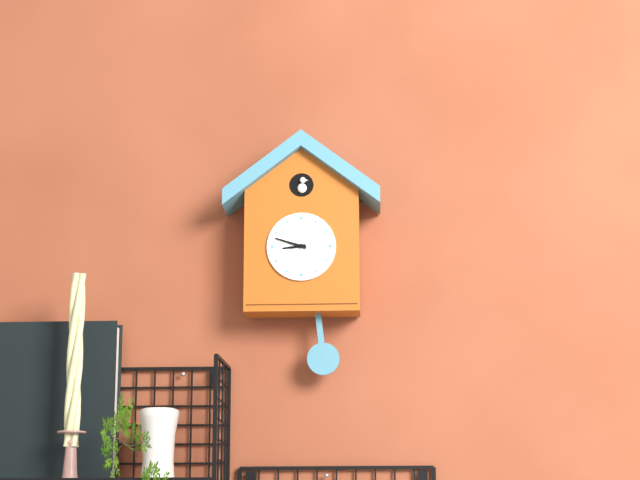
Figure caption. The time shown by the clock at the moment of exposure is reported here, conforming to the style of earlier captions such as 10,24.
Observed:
8,48
